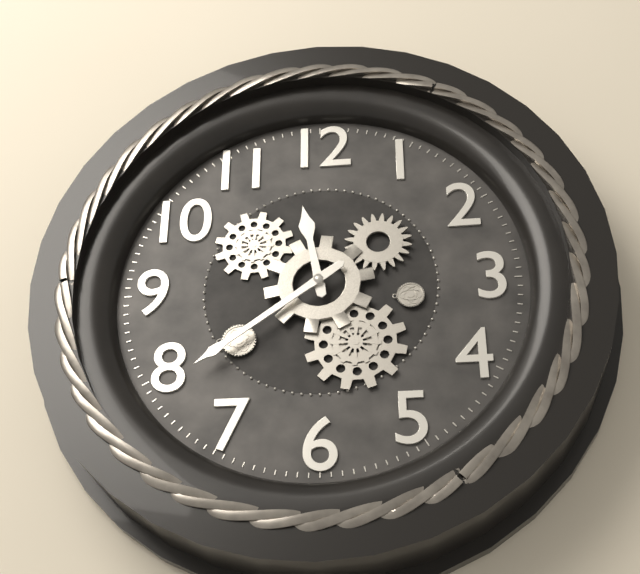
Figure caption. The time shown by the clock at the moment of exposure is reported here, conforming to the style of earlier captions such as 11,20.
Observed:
11,39
